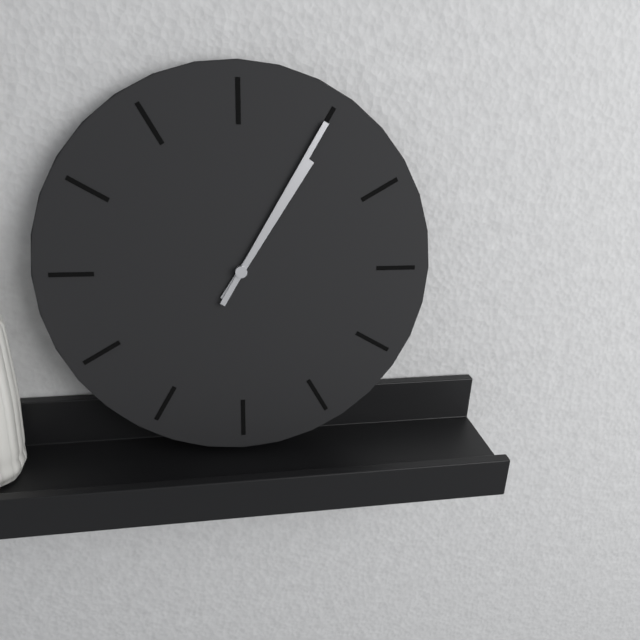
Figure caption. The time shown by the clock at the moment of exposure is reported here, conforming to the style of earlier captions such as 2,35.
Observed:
1,05
